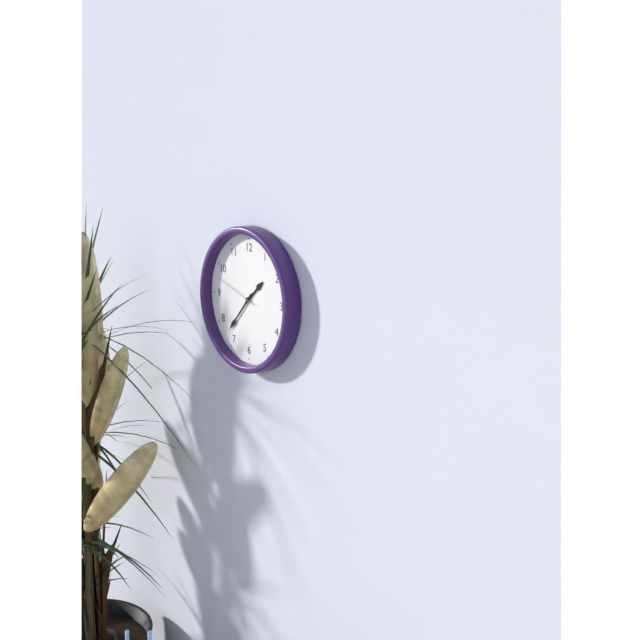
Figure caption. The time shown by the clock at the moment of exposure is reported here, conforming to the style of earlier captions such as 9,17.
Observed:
1,37
